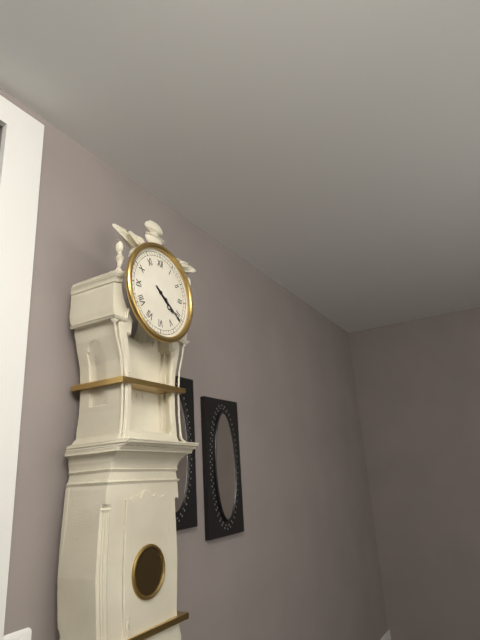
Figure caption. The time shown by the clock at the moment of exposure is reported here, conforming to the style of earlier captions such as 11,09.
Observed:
4,21
